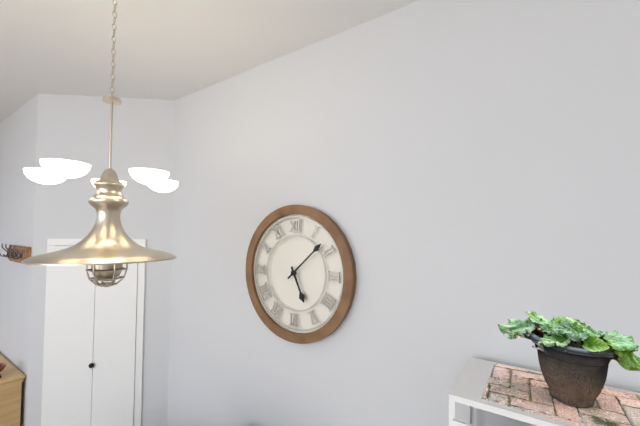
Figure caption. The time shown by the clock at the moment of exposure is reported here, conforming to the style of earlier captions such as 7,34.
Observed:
5,08
